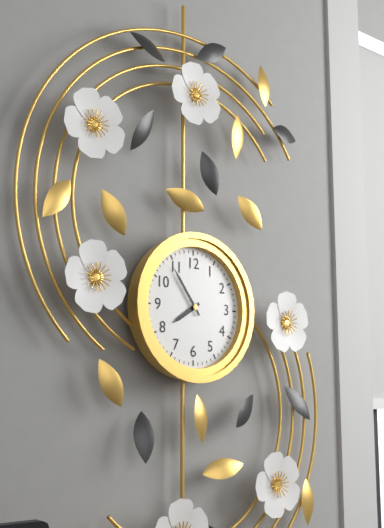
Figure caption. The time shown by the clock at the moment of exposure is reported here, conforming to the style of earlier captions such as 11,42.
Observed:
7,54
